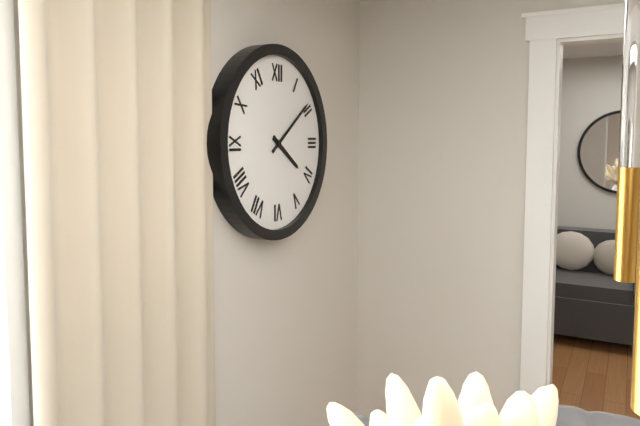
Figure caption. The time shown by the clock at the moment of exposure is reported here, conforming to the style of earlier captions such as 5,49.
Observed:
4,09
